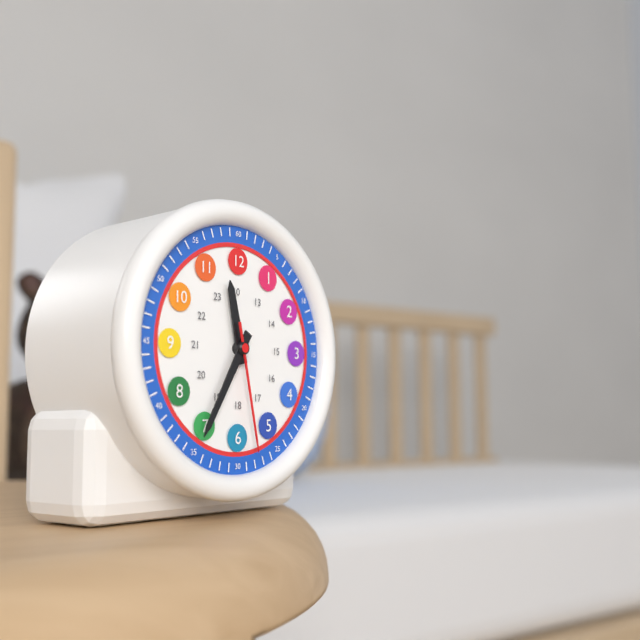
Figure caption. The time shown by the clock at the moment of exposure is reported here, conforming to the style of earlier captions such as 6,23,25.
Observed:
11,35,28
